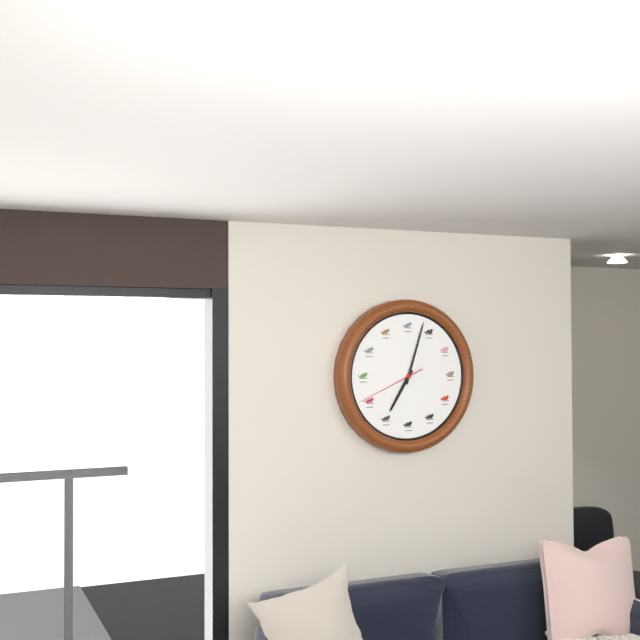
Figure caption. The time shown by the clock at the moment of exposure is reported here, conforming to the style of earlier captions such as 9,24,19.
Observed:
7,03,41
